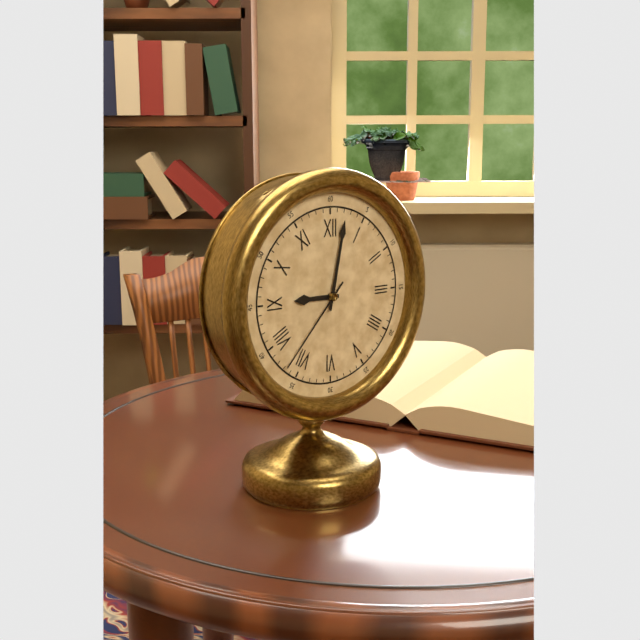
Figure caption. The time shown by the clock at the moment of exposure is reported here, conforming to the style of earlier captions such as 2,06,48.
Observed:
9,02,37
